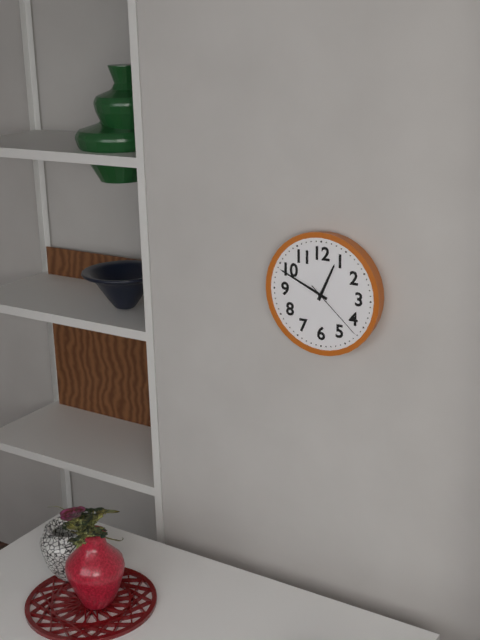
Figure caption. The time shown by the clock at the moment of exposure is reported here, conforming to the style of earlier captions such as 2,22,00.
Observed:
12,49,22
